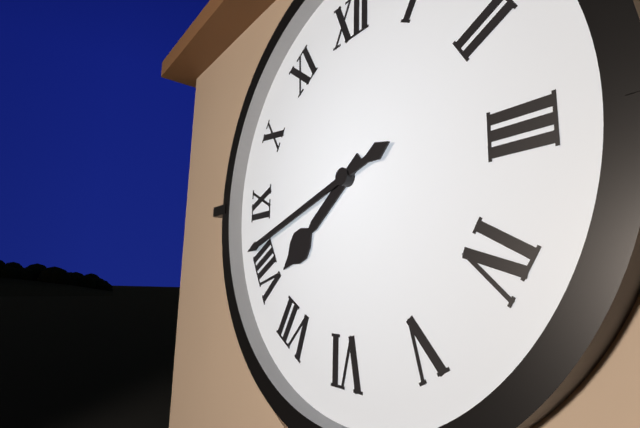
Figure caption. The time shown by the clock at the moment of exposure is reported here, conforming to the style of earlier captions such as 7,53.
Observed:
7,42
